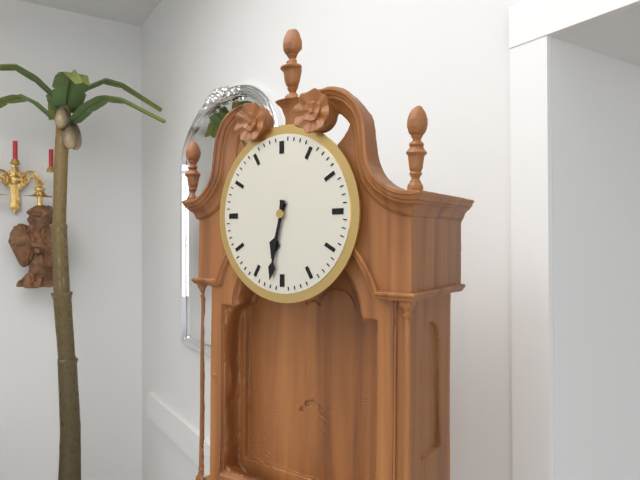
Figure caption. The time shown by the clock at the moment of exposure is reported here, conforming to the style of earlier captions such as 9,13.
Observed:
6,32
